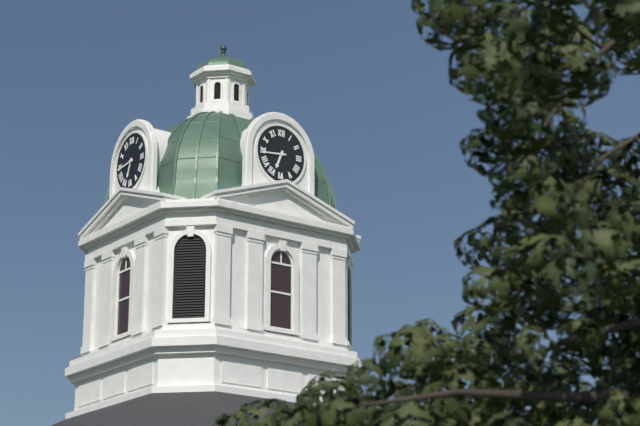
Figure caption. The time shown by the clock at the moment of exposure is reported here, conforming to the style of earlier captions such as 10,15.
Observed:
6,44
